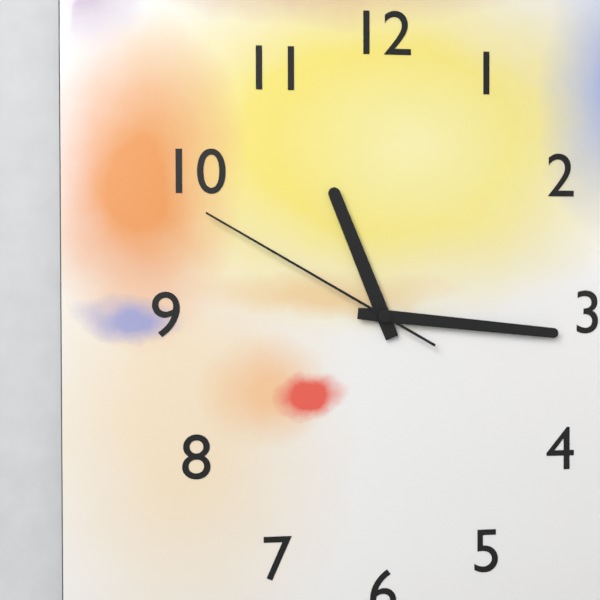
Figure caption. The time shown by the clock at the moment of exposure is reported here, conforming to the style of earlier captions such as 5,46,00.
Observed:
11,16,50
